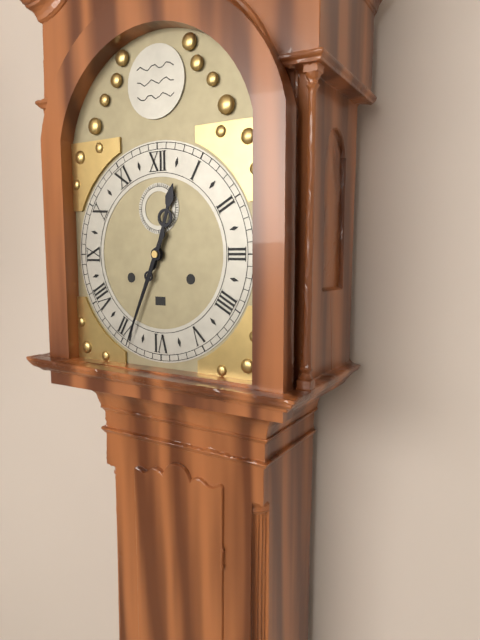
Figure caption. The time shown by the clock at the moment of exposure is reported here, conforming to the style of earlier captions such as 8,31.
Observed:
12,34
